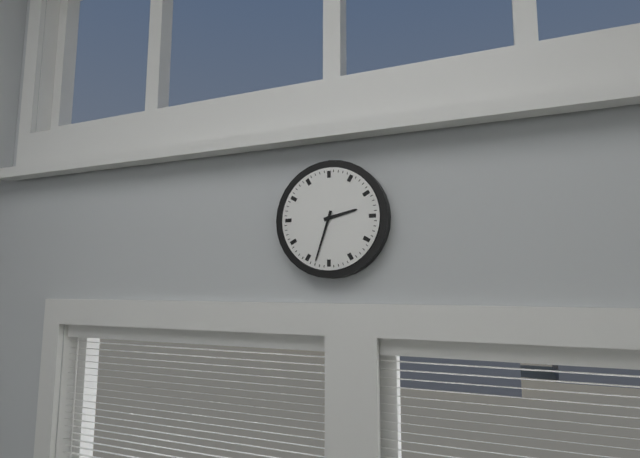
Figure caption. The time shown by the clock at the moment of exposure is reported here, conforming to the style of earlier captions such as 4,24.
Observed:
2,33
